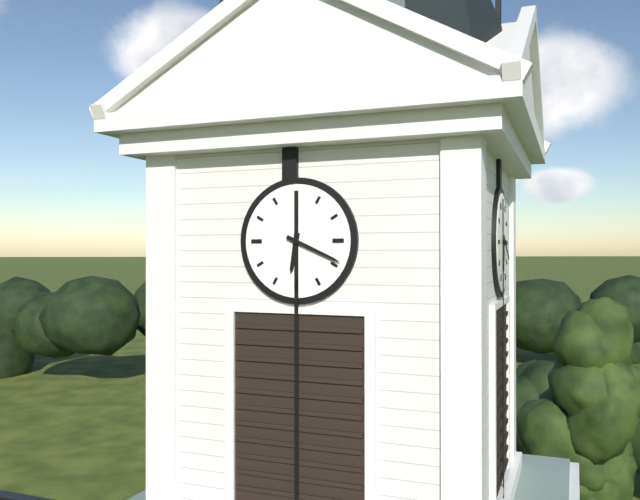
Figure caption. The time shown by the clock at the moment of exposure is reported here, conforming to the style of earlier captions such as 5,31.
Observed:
6,19
